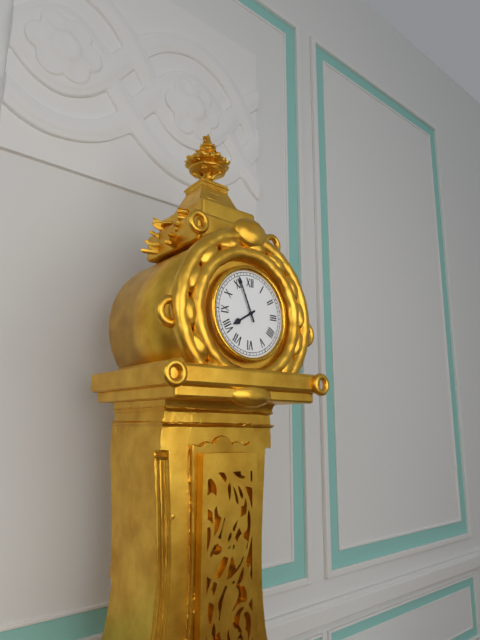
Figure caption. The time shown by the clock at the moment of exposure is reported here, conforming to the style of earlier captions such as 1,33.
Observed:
7,56
